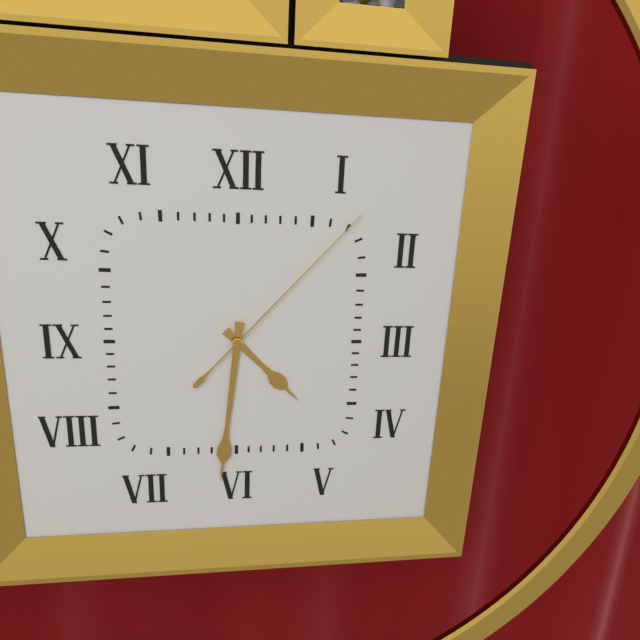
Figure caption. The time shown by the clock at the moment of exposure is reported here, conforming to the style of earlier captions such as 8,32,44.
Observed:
4,31,07
